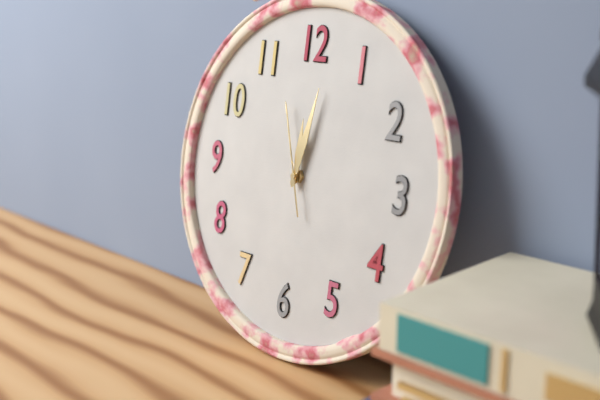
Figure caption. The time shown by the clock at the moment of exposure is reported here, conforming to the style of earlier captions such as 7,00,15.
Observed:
12,02,57
